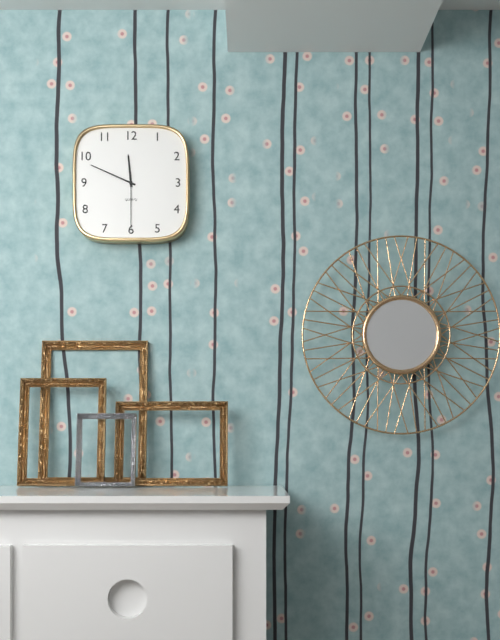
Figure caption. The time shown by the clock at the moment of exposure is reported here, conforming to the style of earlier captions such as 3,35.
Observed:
11,49
